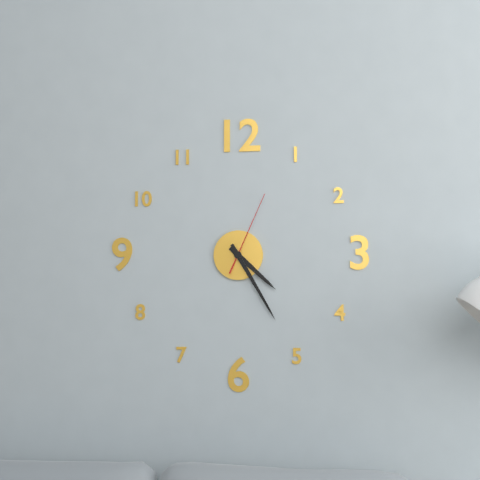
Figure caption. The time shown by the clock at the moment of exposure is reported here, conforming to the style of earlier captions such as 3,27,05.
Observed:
4,25,04
